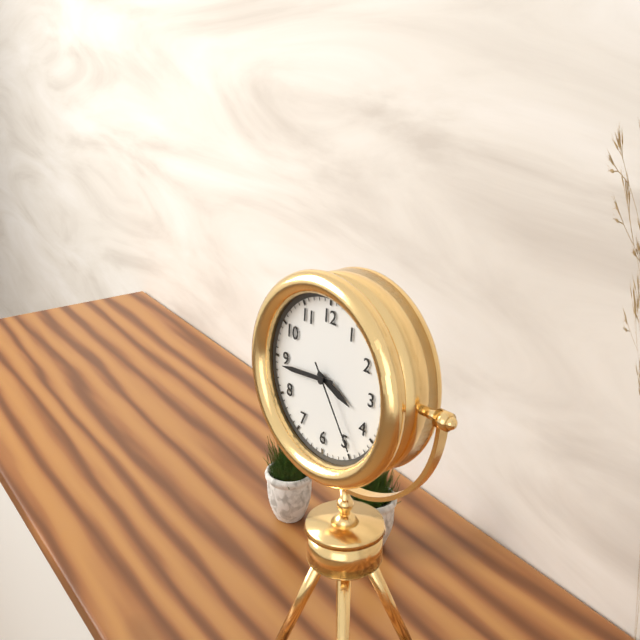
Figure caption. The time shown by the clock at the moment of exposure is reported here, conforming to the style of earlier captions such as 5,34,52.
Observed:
3,44,24
